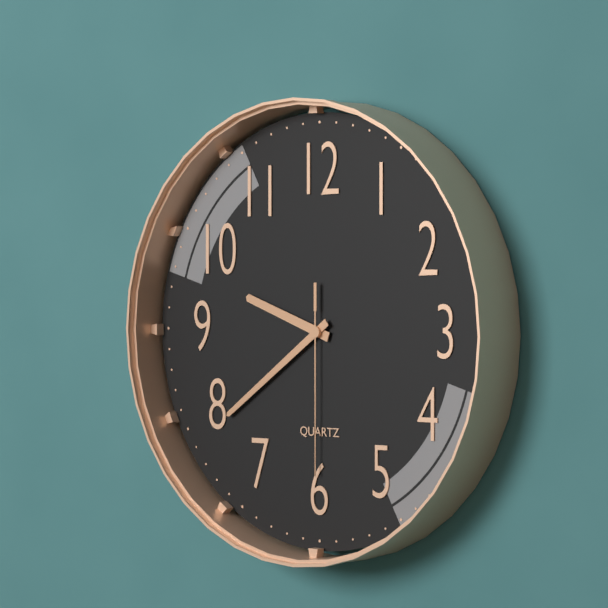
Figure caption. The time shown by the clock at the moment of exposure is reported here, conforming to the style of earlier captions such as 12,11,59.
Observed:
9,39,30
